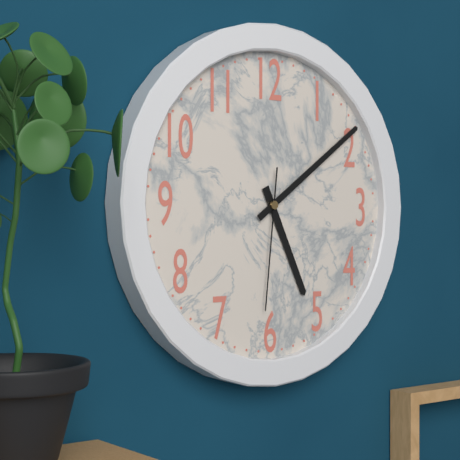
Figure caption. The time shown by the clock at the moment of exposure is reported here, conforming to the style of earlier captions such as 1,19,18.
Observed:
5,09,31
